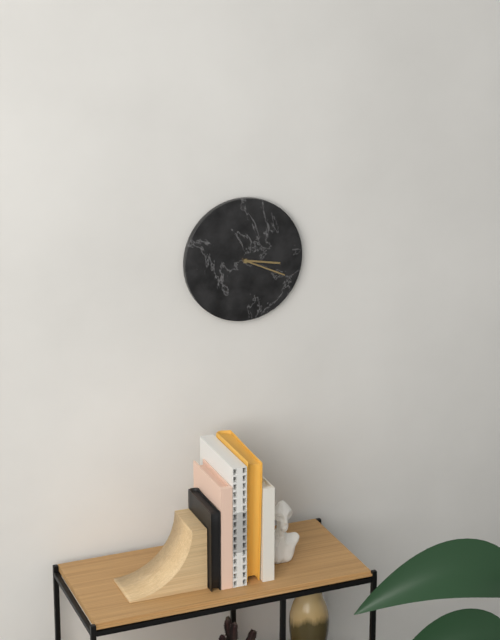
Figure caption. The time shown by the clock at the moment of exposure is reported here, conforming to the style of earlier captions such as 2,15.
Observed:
3,19
